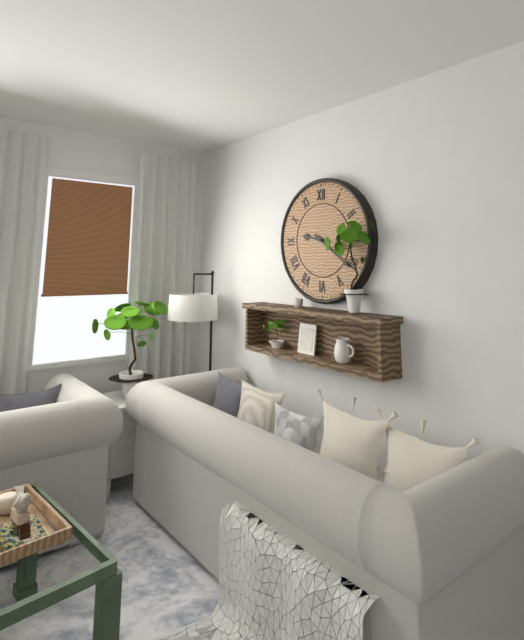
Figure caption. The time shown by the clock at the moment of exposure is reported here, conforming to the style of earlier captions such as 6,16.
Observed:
9,21
